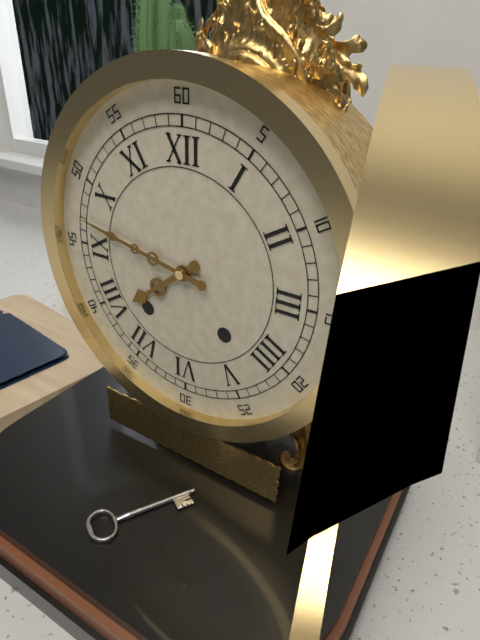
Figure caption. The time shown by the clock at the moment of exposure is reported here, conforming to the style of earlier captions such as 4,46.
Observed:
7,47
